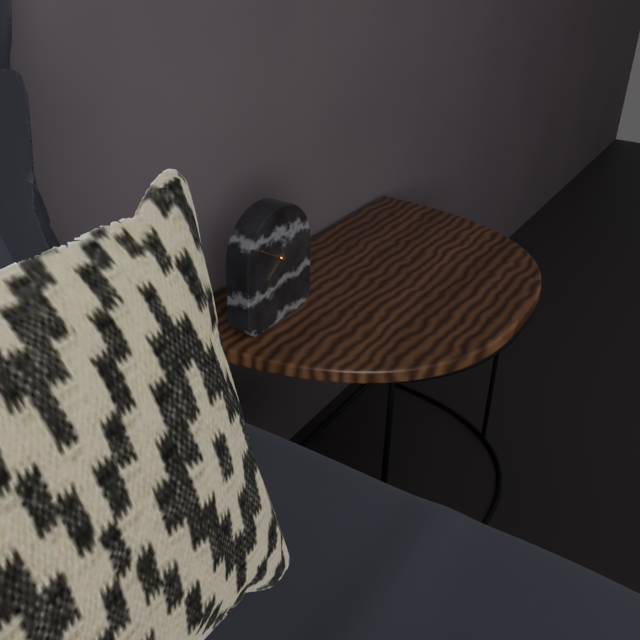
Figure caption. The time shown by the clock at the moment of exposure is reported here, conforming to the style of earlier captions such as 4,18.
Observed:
7,50
